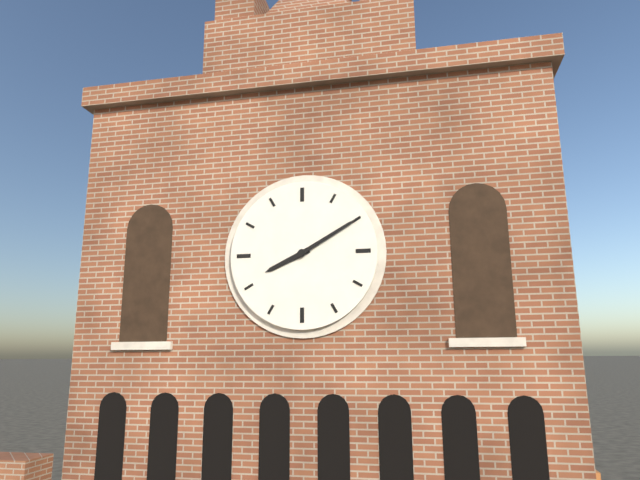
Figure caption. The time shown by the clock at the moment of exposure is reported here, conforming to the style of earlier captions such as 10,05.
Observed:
8,10
